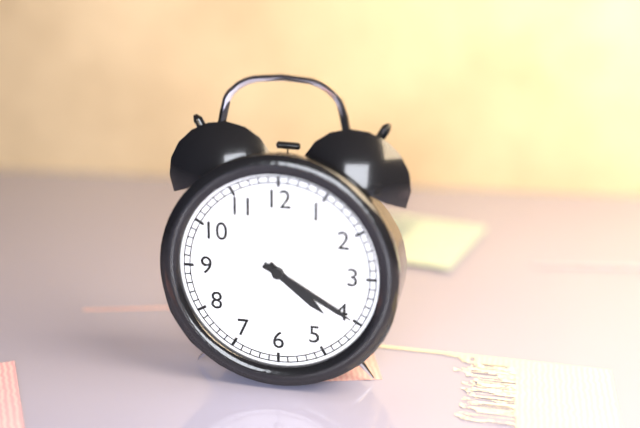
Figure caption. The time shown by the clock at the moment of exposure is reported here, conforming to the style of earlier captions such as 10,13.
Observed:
4,20
